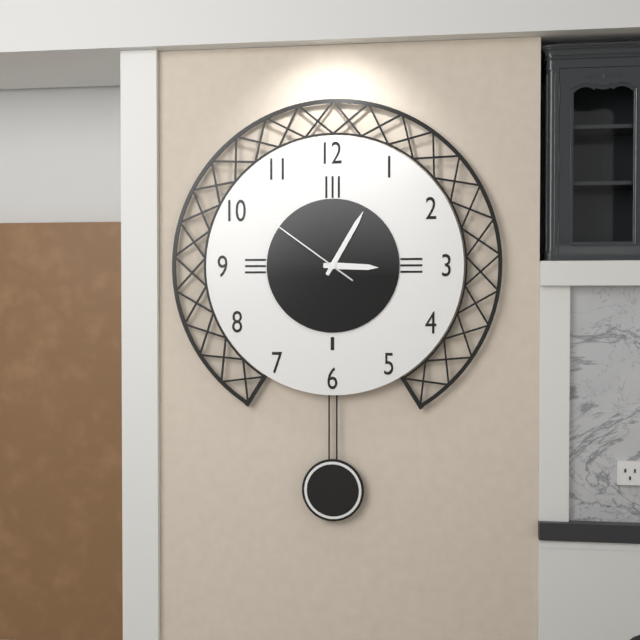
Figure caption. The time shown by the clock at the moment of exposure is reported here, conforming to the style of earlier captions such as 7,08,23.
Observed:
3,05,51
